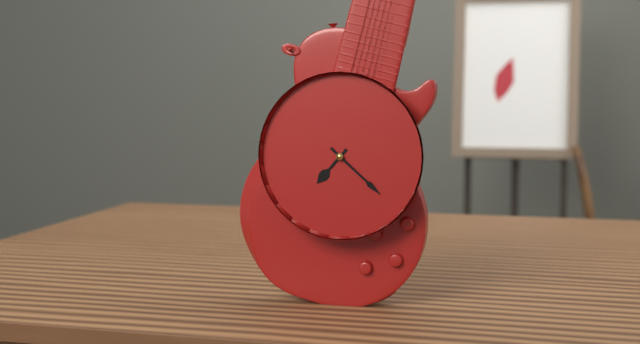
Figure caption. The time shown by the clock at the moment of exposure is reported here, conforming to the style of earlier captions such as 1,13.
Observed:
7,22
